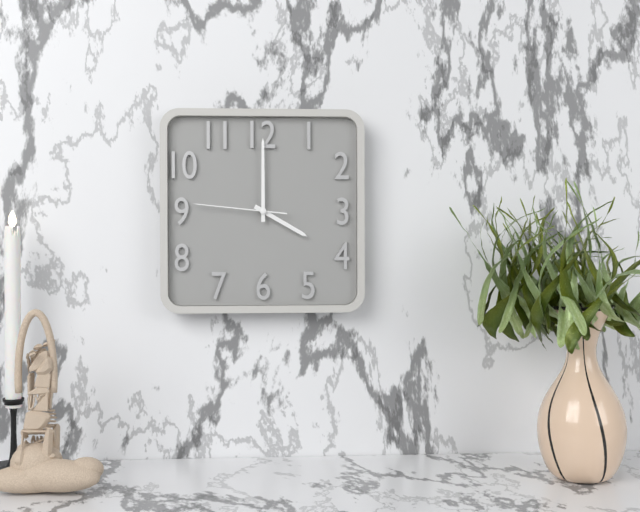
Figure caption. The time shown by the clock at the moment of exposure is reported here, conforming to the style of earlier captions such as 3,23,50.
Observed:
4,00,46
